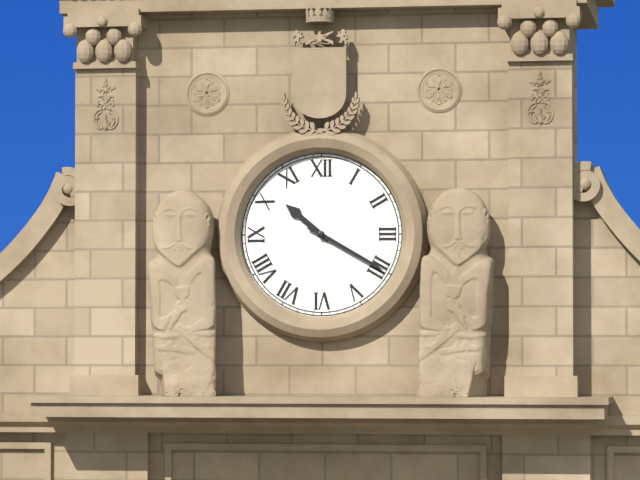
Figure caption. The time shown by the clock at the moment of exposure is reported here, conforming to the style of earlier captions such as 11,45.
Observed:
10,20
